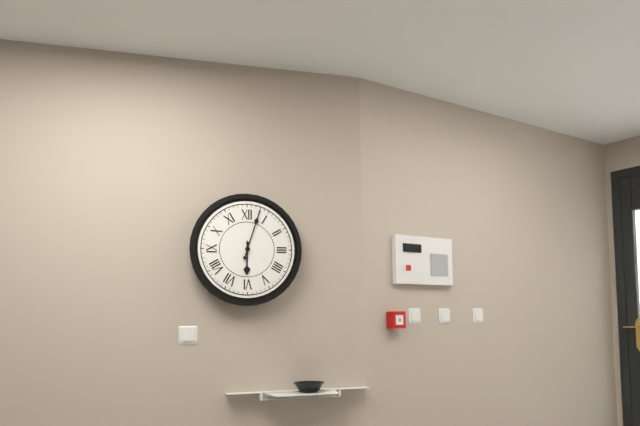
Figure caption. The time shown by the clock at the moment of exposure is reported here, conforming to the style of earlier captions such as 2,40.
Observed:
6,03
